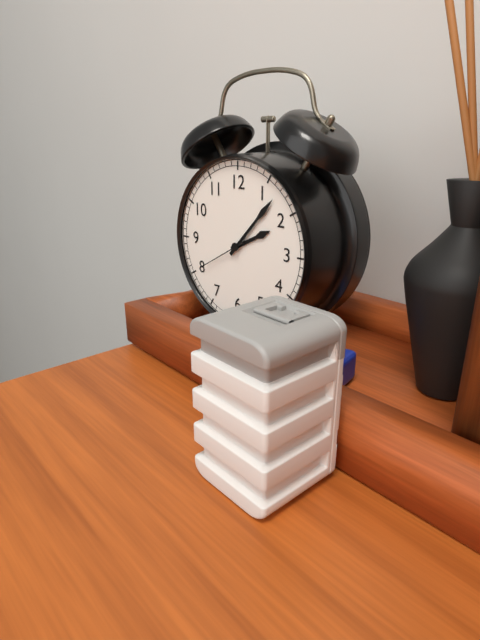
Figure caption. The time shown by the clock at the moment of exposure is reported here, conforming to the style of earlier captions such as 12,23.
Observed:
2,07
